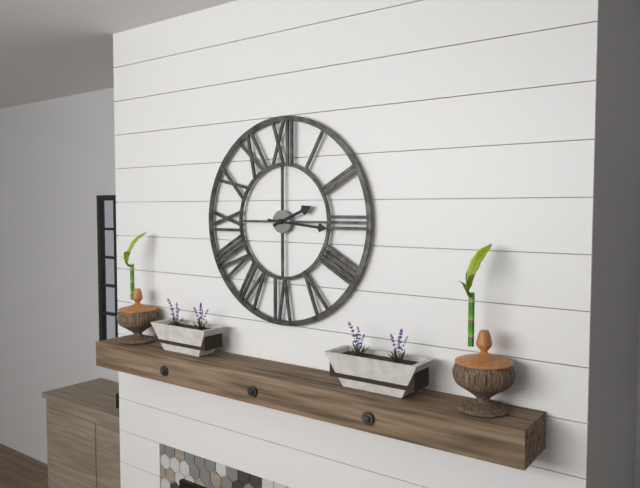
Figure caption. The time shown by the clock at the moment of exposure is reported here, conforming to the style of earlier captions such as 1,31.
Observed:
2,16
